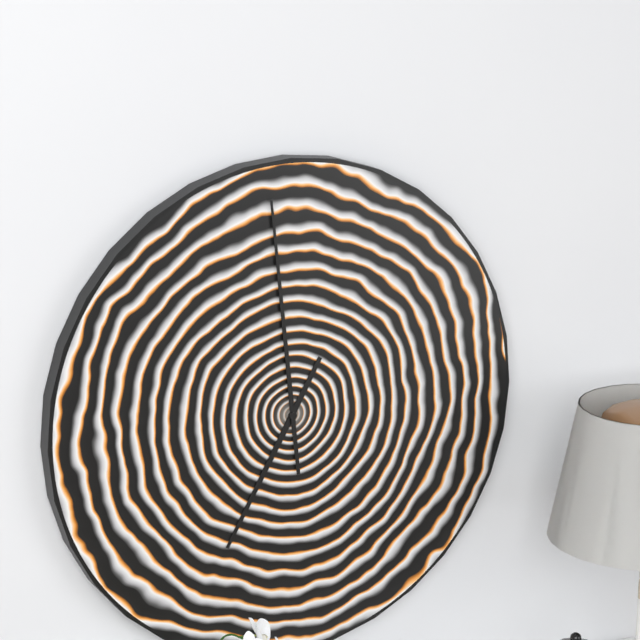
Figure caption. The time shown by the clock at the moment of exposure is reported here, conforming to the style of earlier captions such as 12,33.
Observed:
6,59
